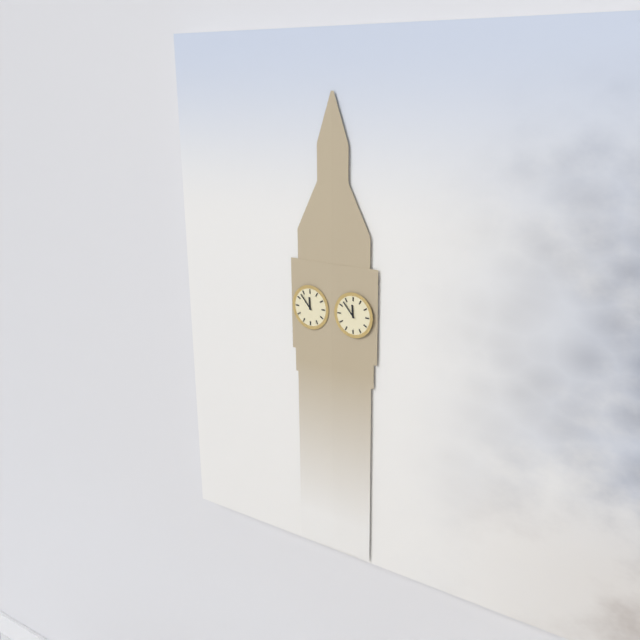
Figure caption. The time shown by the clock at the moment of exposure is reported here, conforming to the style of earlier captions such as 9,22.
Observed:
11,53
